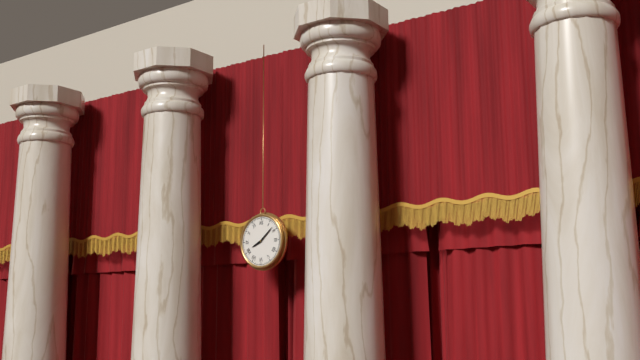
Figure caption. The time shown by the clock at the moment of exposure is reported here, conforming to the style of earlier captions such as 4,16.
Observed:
8,08
